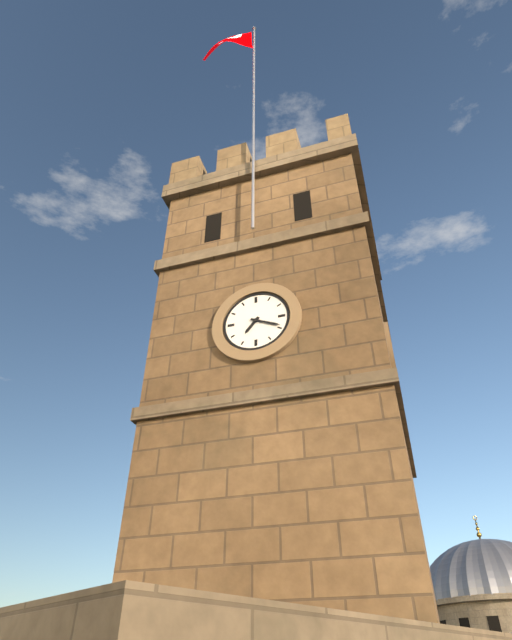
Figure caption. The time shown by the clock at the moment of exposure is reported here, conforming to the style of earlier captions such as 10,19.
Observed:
7,19
